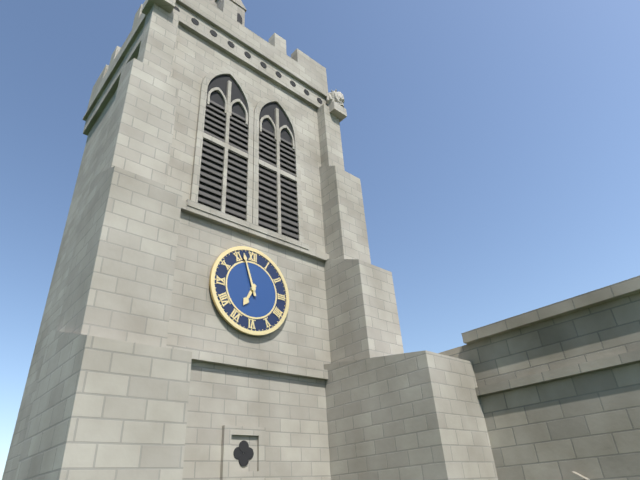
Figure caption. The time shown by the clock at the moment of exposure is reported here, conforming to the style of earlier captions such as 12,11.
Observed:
6,57
